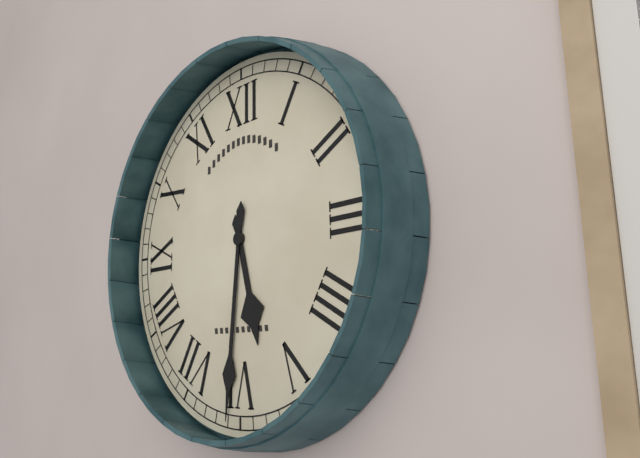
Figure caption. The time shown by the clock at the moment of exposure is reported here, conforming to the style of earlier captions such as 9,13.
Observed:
5,31
